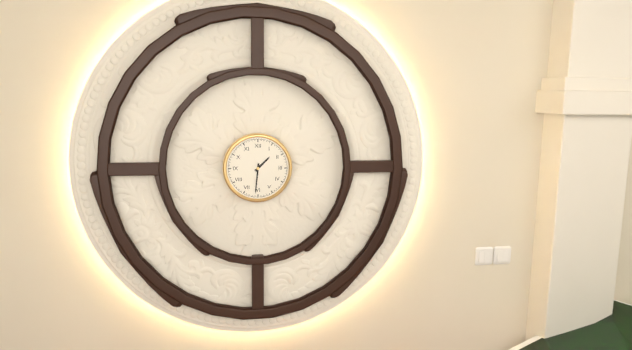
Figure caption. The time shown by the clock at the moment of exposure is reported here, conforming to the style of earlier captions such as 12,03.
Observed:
1,31
